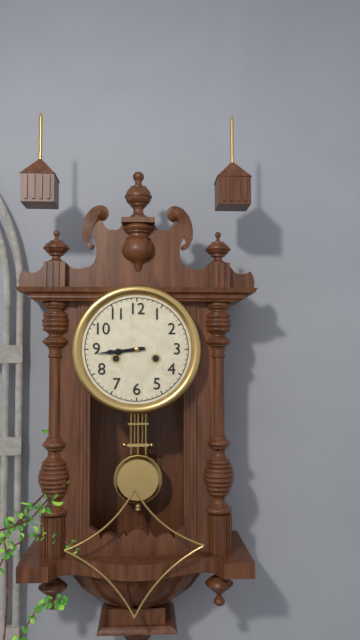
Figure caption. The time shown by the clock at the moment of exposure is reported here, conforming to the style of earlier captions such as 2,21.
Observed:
8,44
